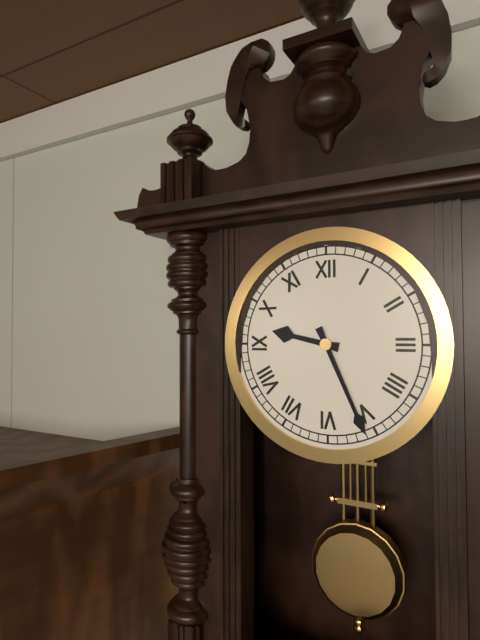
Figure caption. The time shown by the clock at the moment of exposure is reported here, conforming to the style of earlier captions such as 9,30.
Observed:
9,26
